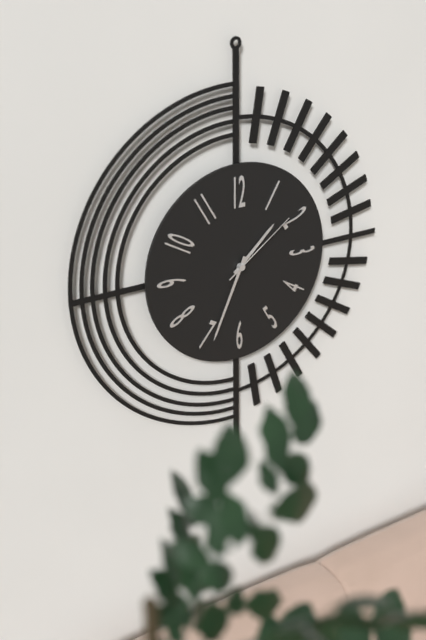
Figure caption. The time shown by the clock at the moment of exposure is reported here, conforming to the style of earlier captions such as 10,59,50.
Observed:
1,34,09
